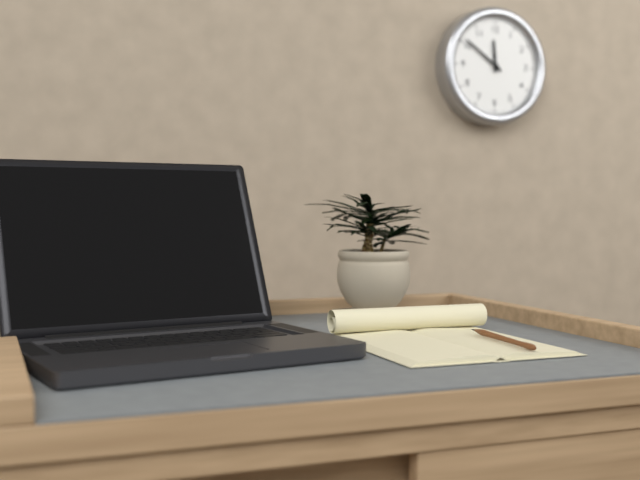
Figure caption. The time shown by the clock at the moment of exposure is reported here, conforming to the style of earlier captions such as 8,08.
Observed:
11,51
